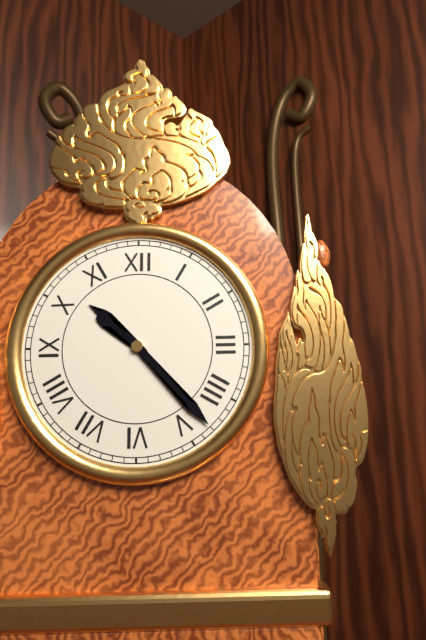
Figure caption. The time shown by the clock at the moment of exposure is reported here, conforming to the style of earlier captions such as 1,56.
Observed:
10,23
